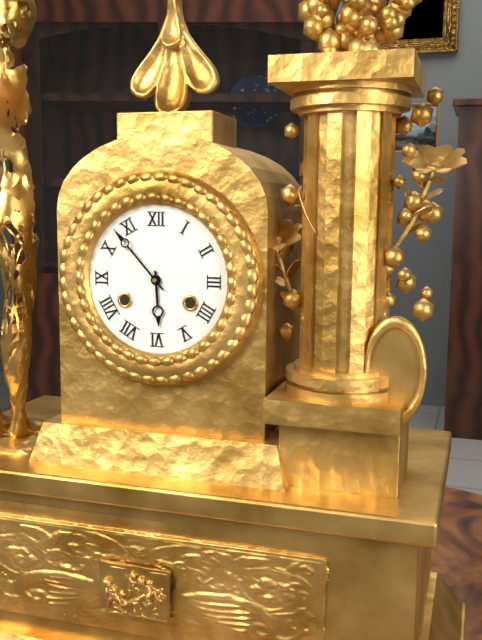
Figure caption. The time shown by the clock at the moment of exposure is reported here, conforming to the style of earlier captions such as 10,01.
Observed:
5,53
